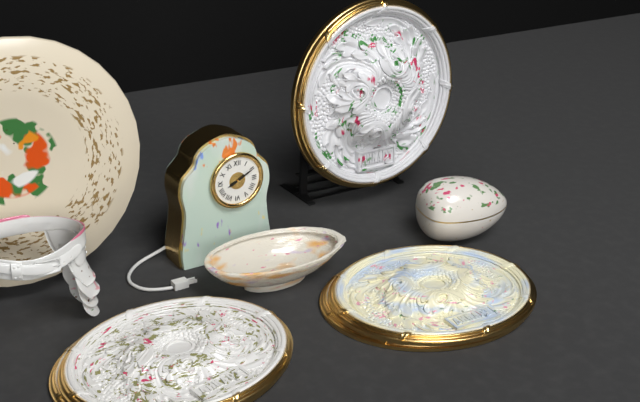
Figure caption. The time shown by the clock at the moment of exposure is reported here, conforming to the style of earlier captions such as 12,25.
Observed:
8,10
